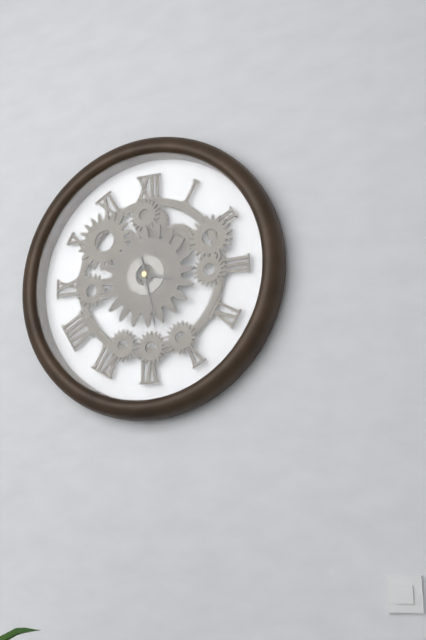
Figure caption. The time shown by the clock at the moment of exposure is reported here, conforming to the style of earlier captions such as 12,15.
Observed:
3,28
